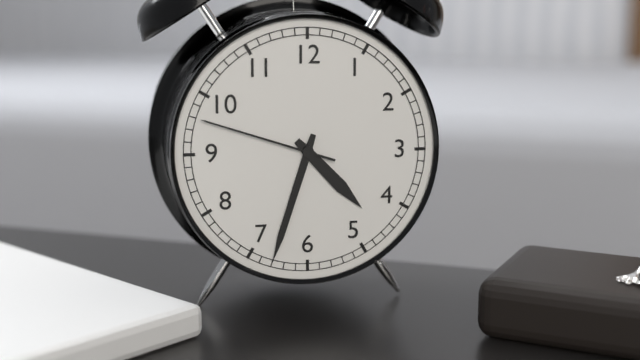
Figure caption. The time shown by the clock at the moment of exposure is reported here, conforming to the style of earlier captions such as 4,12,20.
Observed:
4,33,48
